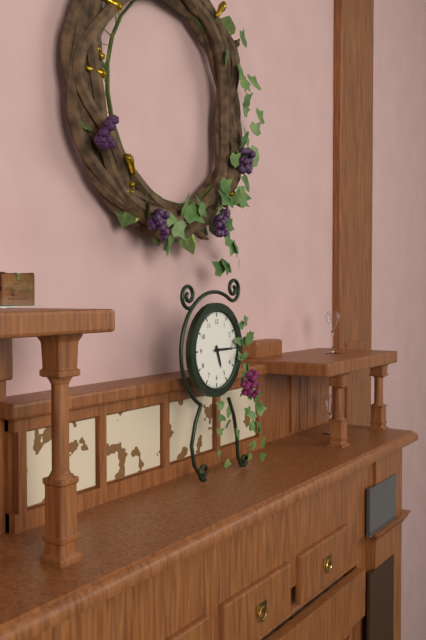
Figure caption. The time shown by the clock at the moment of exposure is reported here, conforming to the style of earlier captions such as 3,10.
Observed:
5,15
